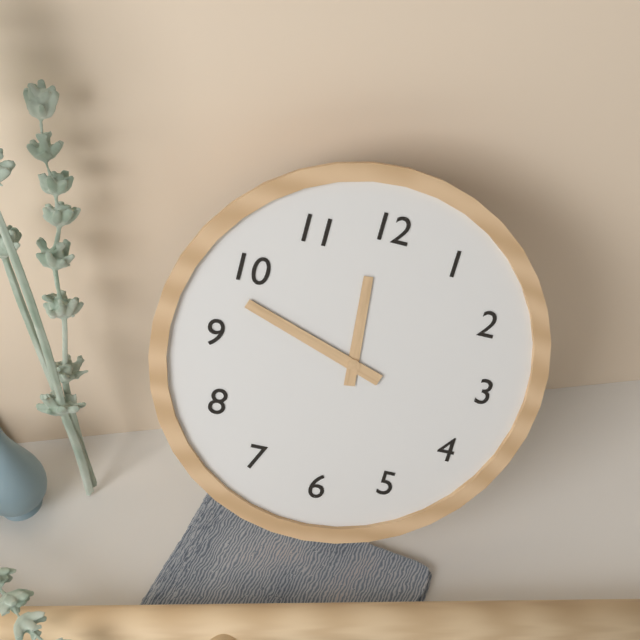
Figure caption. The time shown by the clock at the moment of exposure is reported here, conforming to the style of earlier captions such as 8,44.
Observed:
11,48
